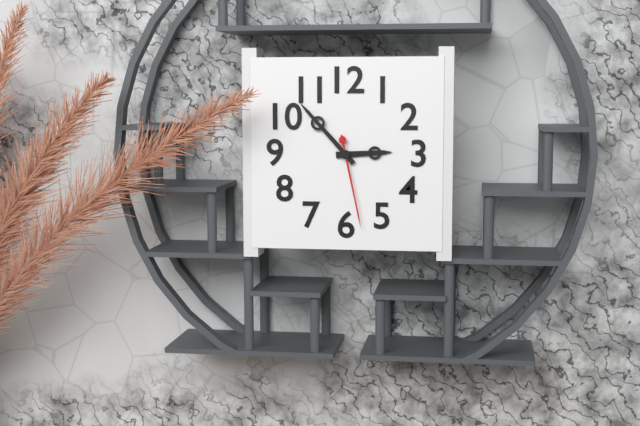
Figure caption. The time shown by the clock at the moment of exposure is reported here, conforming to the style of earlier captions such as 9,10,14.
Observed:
2,53,28
